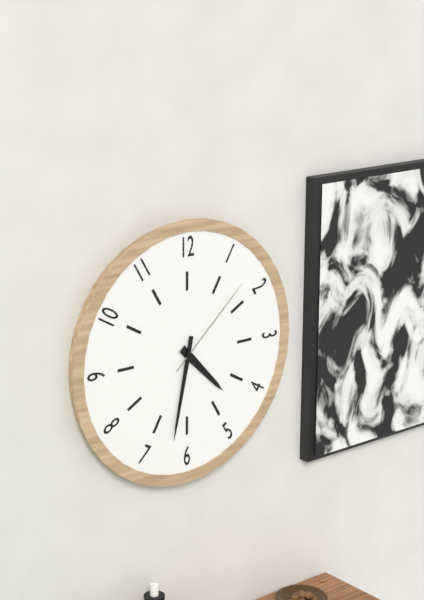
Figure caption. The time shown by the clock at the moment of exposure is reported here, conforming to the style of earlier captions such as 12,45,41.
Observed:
4,32,08
